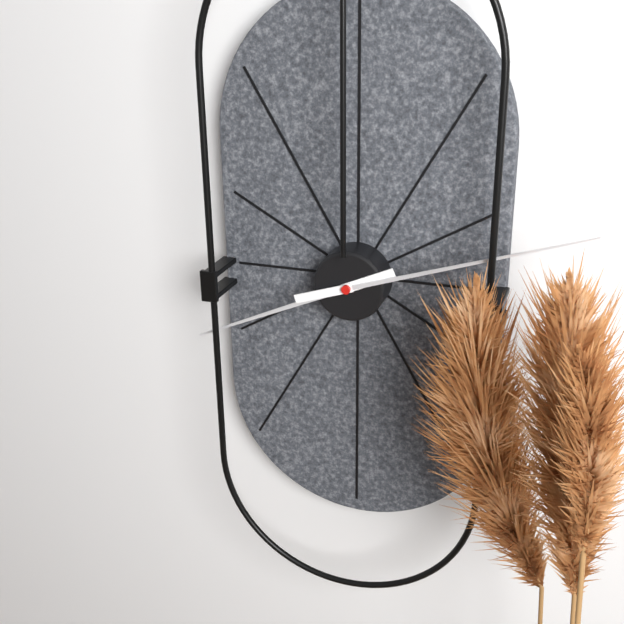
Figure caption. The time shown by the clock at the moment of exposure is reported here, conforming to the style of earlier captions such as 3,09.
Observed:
8,12
